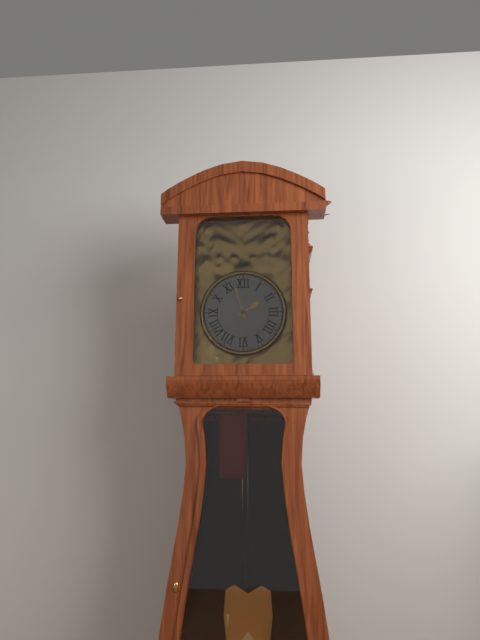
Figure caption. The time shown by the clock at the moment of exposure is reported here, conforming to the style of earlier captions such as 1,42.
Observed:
1,57
